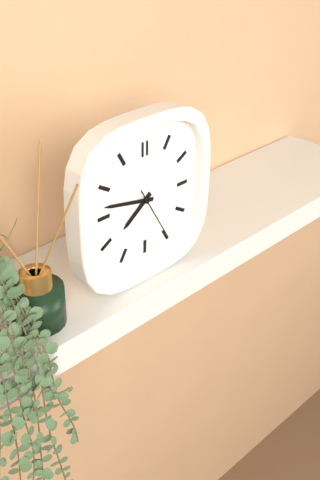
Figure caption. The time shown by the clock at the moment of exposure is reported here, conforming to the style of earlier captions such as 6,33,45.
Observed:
7,47,25
